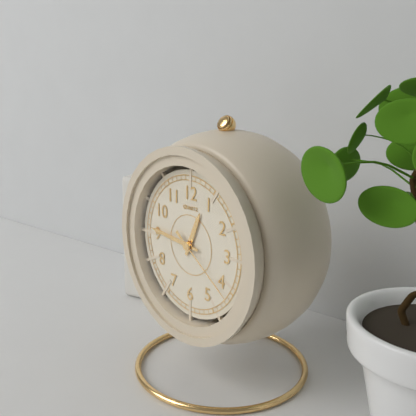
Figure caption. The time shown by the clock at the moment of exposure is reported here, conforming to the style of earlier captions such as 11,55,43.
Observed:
12,46,21
